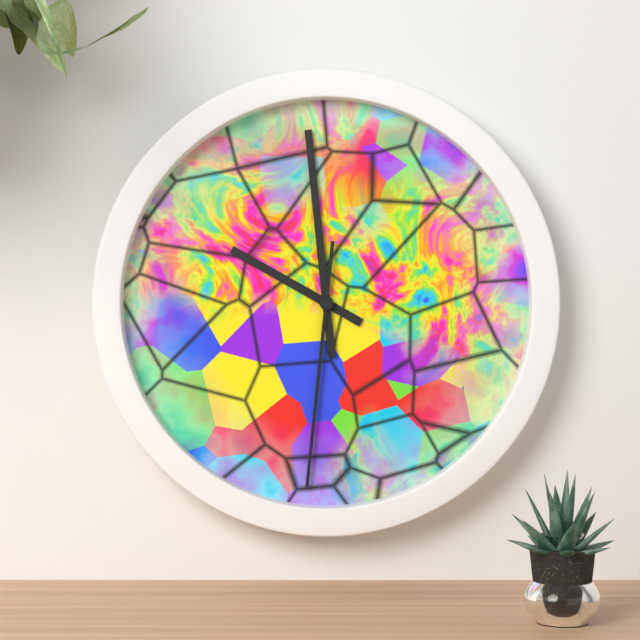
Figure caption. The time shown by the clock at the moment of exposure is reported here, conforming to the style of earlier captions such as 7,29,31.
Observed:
9,59,31
